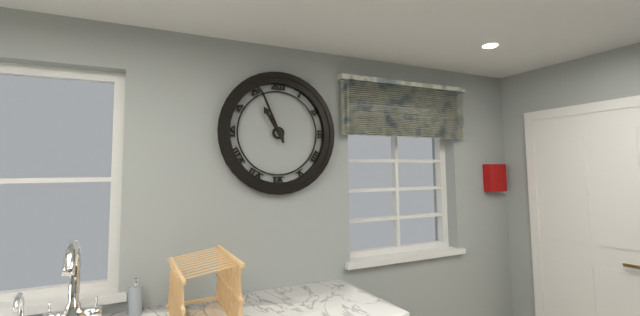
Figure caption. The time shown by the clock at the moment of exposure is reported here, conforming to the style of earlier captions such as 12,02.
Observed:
10,56
